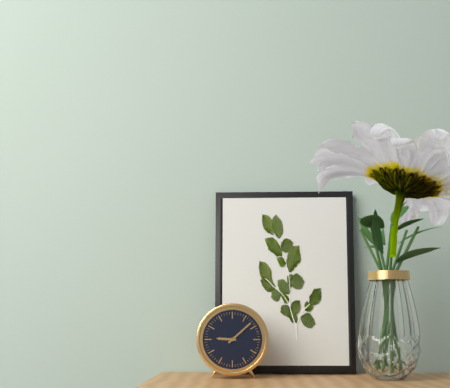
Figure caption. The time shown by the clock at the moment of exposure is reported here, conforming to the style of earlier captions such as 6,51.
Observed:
9,08
